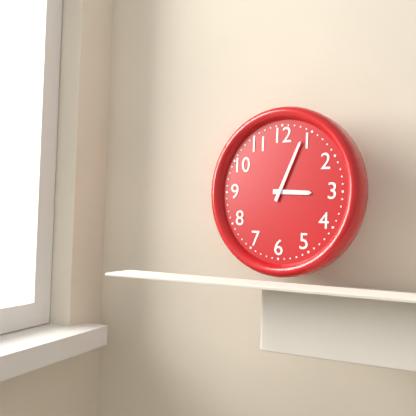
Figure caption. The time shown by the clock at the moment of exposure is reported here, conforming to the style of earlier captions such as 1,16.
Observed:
3,04
